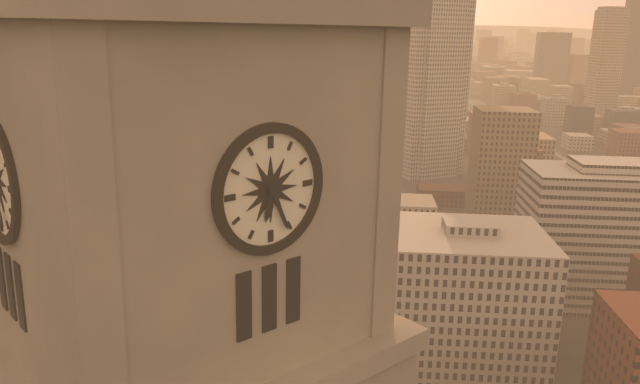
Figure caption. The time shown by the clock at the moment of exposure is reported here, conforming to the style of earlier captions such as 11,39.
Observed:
6,26
